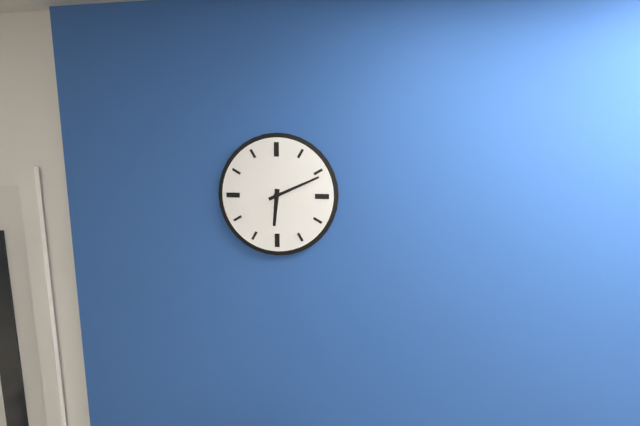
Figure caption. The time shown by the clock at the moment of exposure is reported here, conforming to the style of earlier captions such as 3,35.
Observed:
6,11
